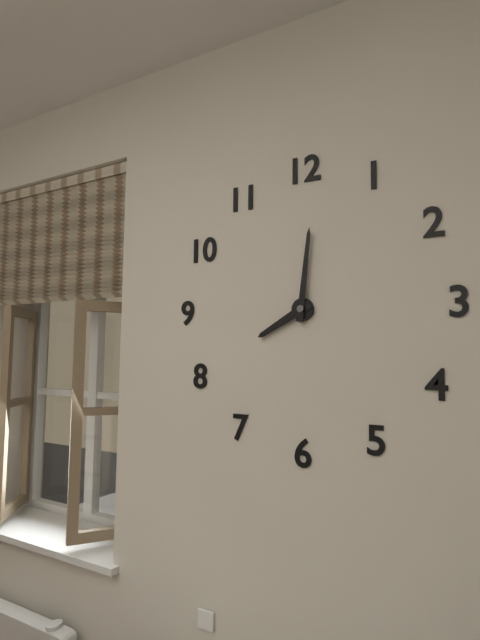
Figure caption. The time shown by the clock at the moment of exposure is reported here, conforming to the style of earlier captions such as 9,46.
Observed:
8,01
